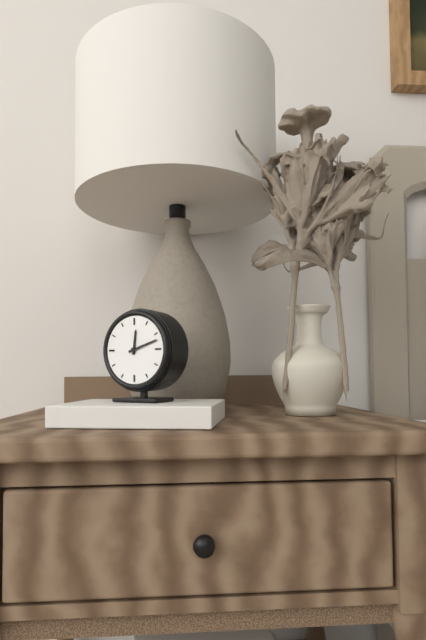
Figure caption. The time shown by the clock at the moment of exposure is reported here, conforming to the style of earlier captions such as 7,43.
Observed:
12,12
